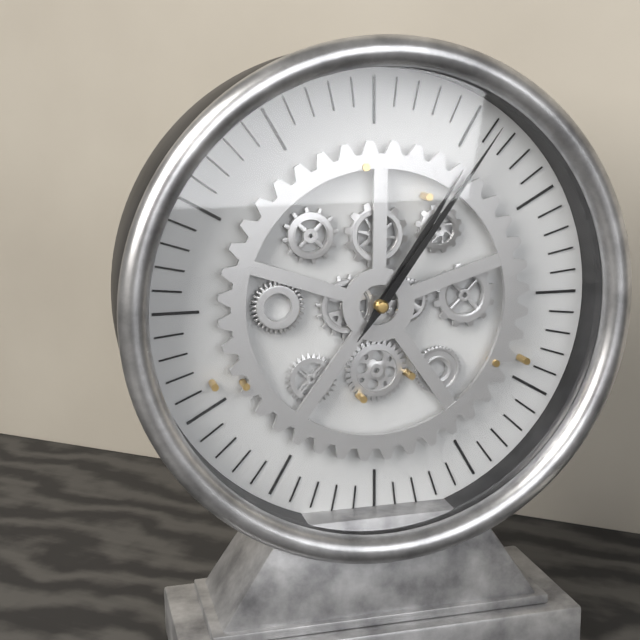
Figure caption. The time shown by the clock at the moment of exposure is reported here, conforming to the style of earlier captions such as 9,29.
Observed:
1,06
